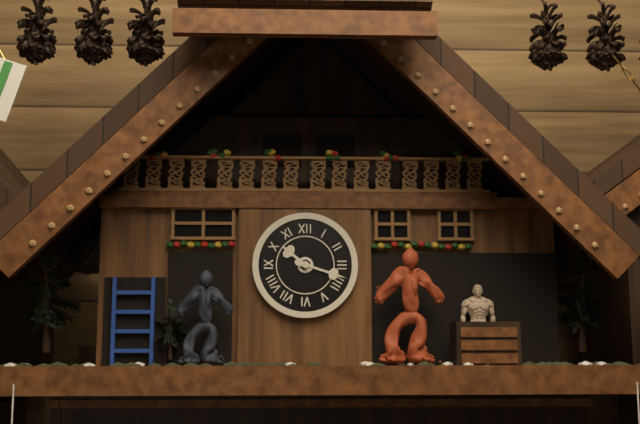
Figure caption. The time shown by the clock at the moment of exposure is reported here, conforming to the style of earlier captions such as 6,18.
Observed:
10,18
